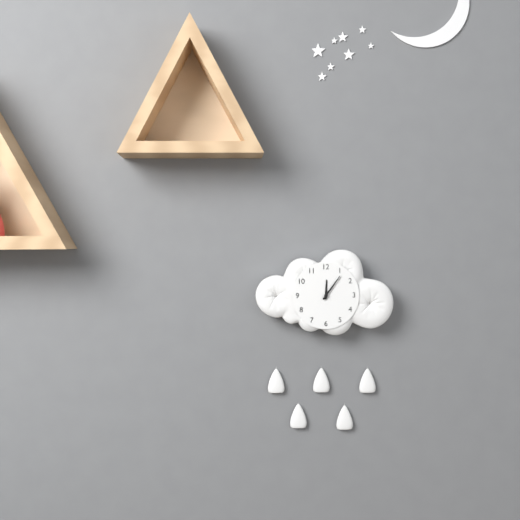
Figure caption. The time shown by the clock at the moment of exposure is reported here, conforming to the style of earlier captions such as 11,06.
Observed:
12,06
